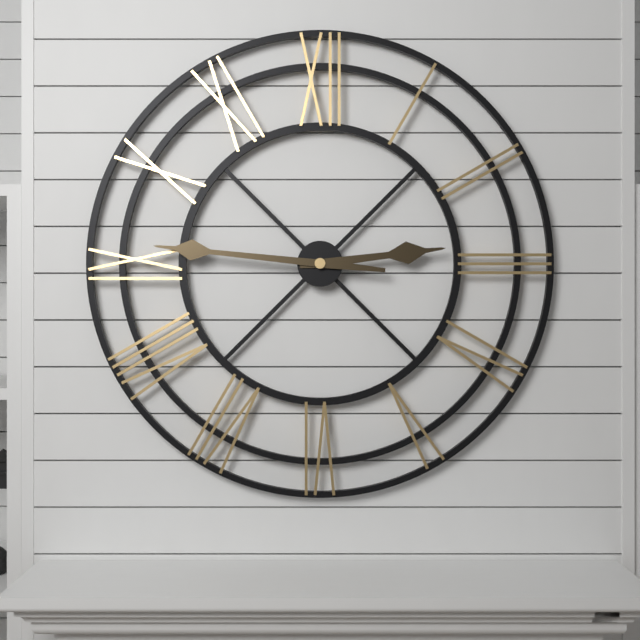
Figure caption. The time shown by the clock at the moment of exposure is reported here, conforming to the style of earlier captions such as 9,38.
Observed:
2,46
